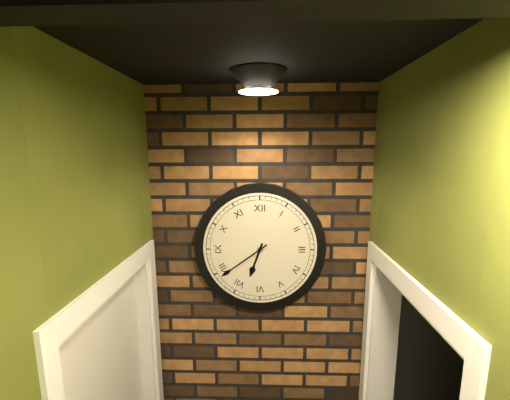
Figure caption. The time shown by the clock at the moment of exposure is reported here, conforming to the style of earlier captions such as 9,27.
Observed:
6,39
